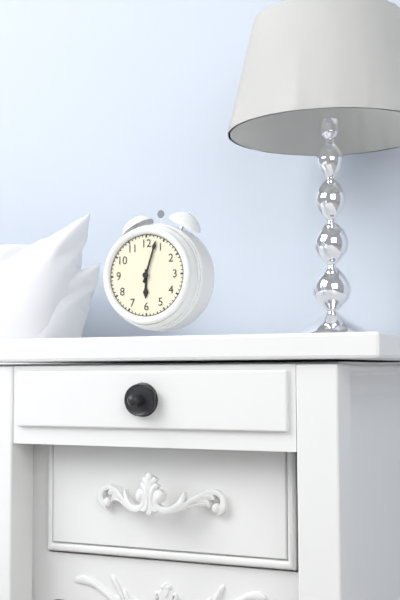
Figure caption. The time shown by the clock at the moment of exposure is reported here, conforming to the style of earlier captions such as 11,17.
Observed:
6,03
